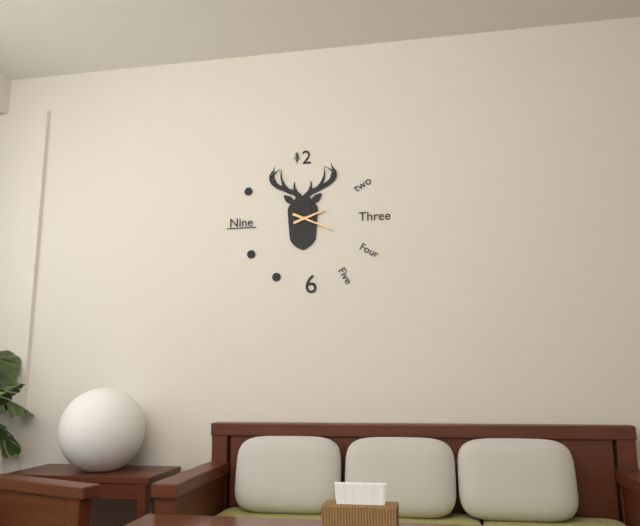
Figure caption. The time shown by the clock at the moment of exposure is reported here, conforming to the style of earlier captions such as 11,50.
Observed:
2,19
